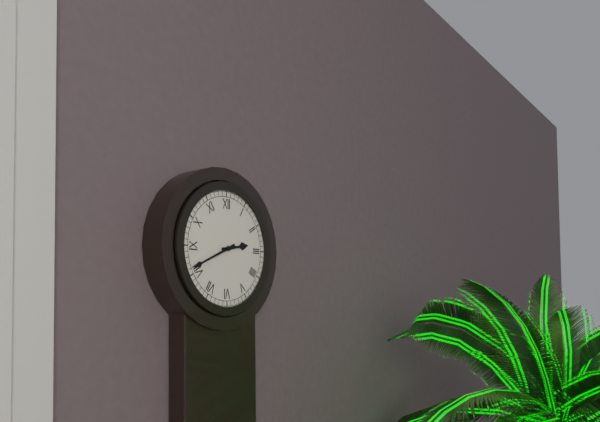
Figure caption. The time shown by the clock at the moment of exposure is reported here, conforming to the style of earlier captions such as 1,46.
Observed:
2,41
